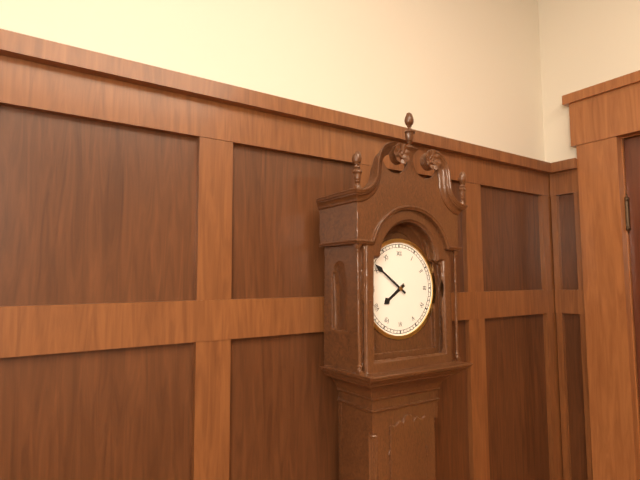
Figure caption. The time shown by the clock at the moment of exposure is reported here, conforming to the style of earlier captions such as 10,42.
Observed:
7,51
